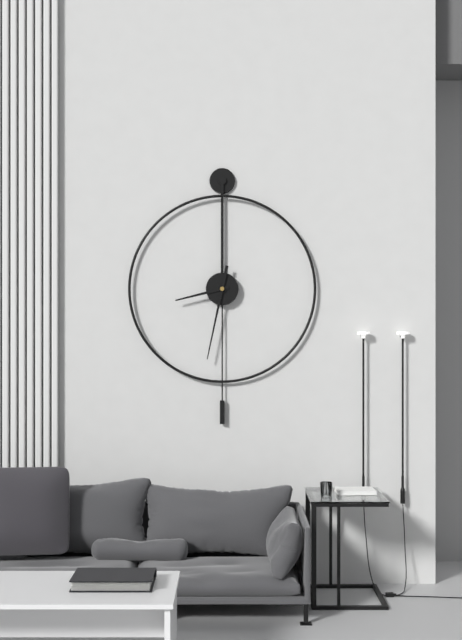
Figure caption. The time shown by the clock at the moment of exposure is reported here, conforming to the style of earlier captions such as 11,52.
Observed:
8,32
